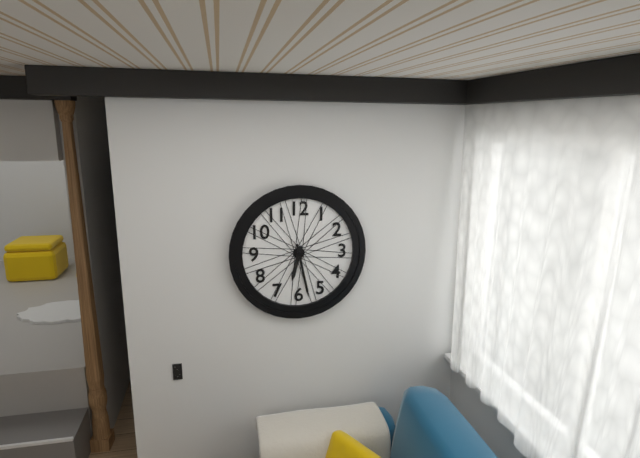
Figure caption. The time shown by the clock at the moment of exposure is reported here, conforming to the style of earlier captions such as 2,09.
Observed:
6,28
